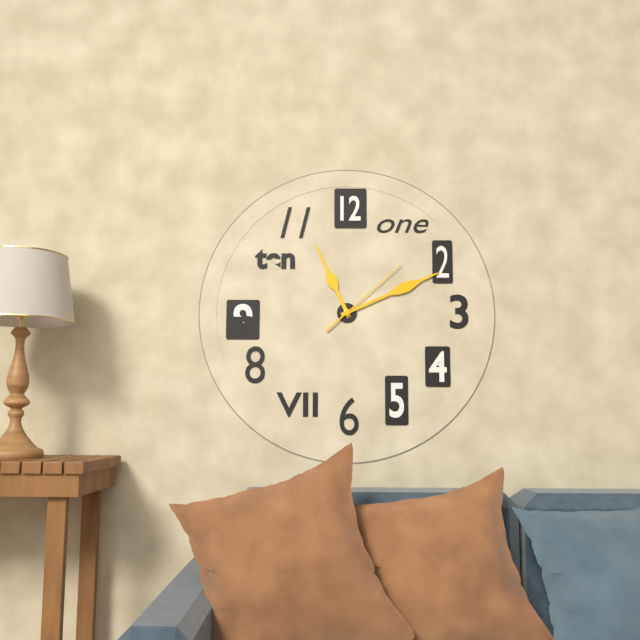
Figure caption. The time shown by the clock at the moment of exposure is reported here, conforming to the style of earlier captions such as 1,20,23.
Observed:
11,11,08
